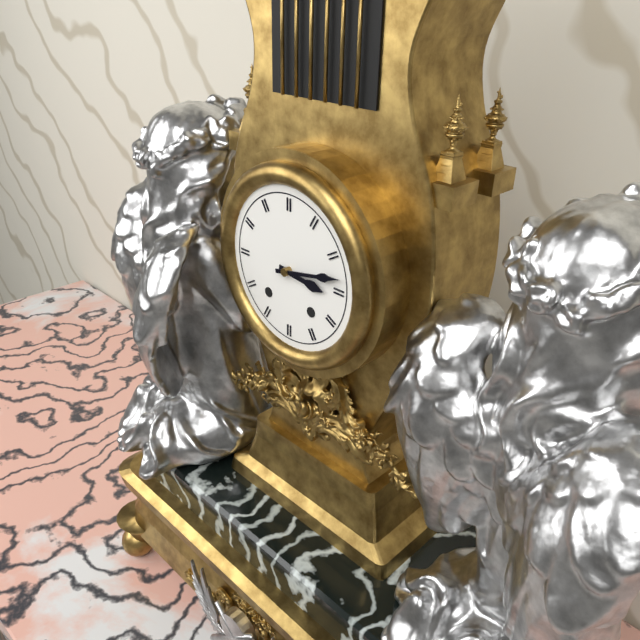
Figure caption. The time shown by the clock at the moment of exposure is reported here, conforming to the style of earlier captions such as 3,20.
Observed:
3,13
